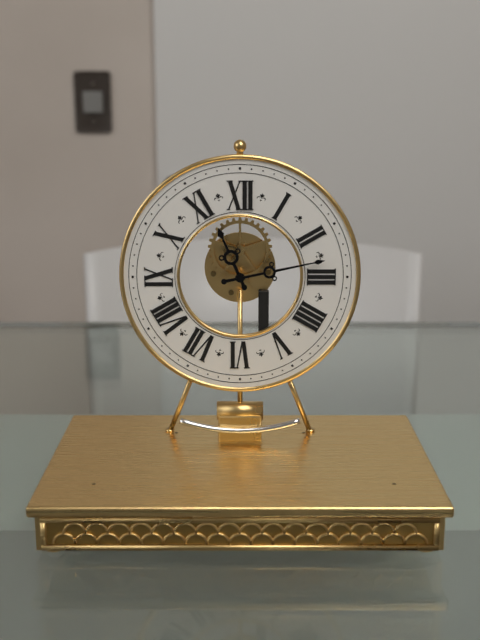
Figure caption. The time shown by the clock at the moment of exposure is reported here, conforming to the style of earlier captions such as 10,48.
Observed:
11,13
